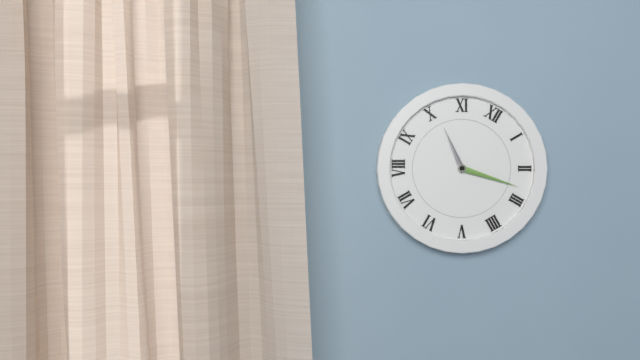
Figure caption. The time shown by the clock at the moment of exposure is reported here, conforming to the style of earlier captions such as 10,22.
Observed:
10,13
